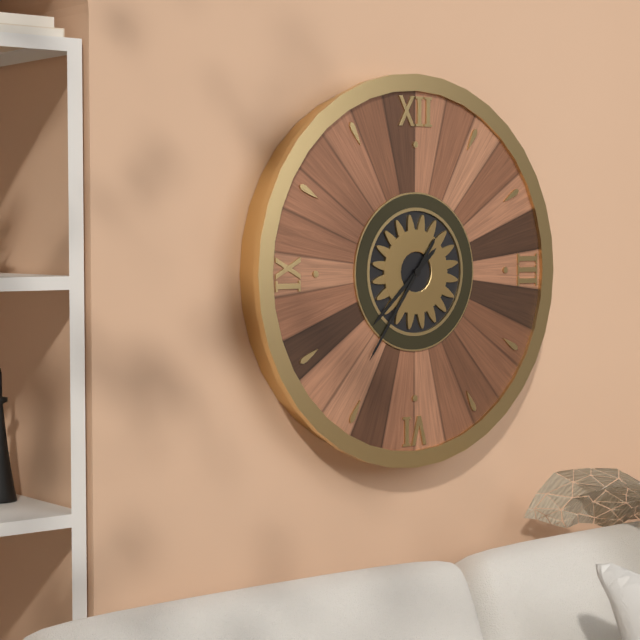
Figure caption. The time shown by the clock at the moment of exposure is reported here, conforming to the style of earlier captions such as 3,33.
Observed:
7,36
